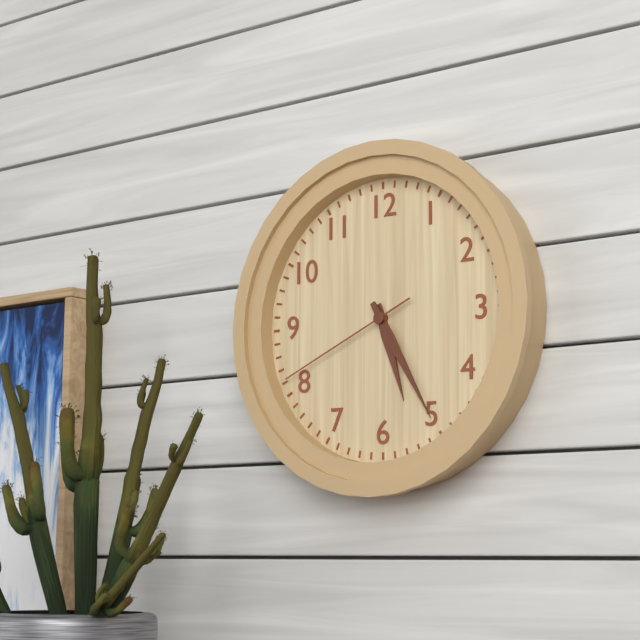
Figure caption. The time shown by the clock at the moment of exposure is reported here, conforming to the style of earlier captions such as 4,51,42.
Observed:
5,25,41
